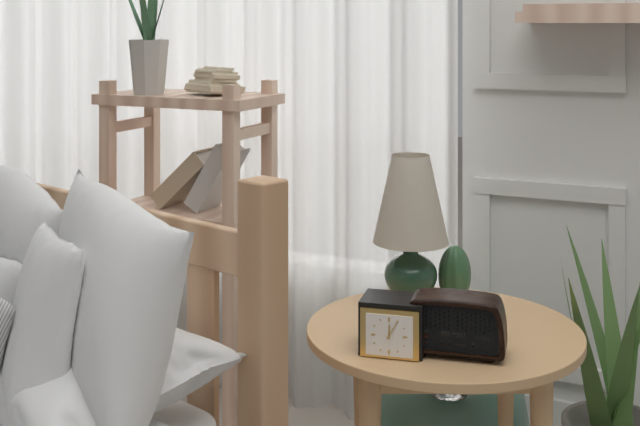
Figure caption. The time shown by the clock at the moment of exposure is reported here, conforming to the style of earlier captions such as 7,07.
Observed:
12,05
